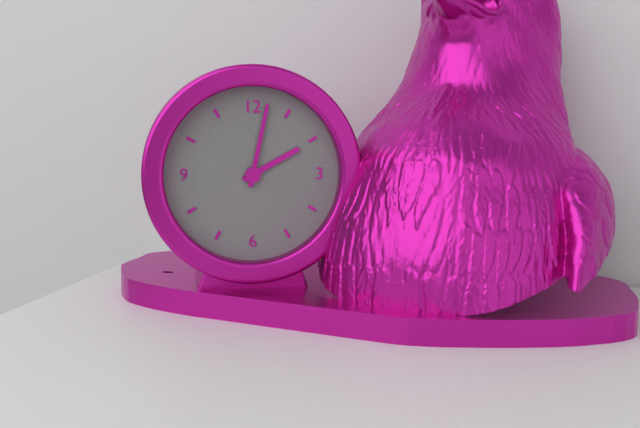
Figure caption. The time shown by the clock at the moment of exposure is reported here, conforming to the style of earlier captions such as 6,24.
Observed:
2,02
